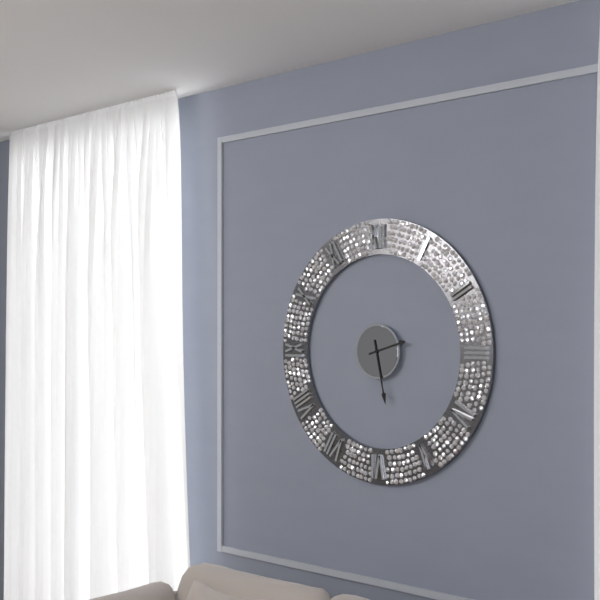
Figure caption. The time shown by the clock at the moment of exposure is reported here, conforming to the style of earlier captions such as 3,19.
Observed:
2,28
